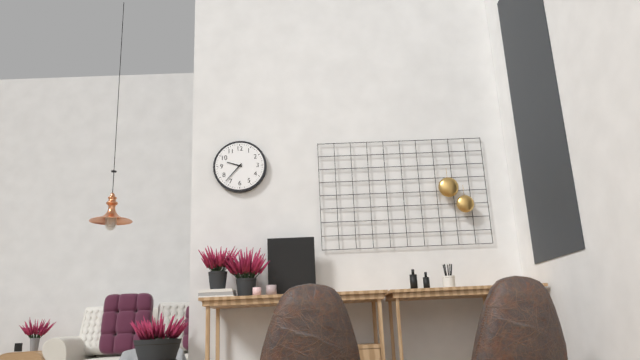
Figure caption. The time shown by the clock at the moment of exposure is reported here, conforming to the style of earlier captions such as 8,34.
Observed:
9,37
